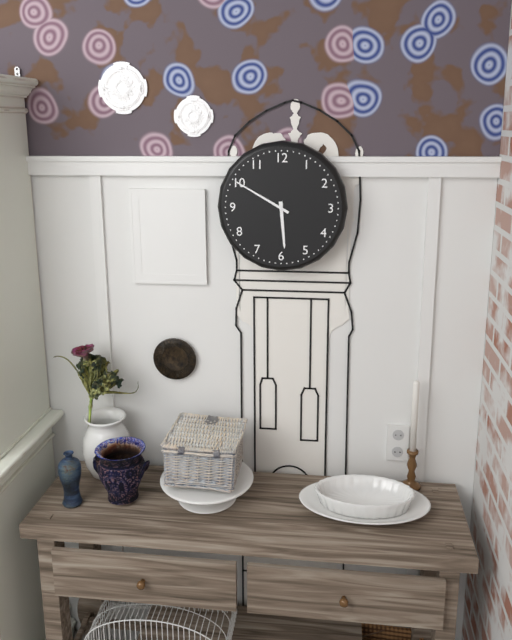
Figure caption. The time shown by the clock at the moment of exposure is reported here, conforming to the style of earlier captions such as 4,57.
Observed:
5,50
